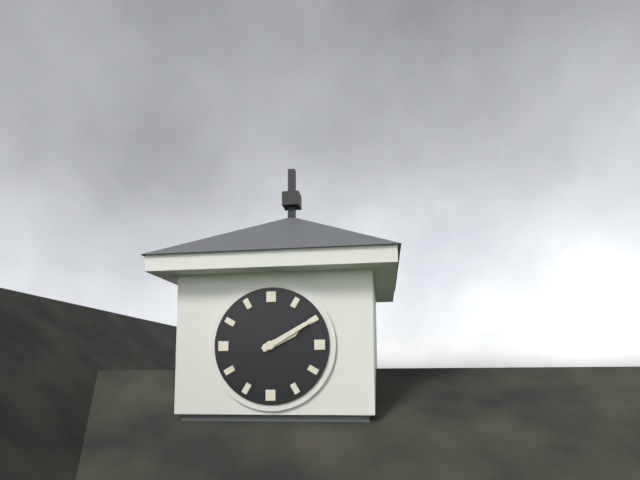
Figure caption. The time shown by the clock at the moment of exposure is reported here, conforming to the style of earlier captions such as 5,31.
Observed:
2,10
